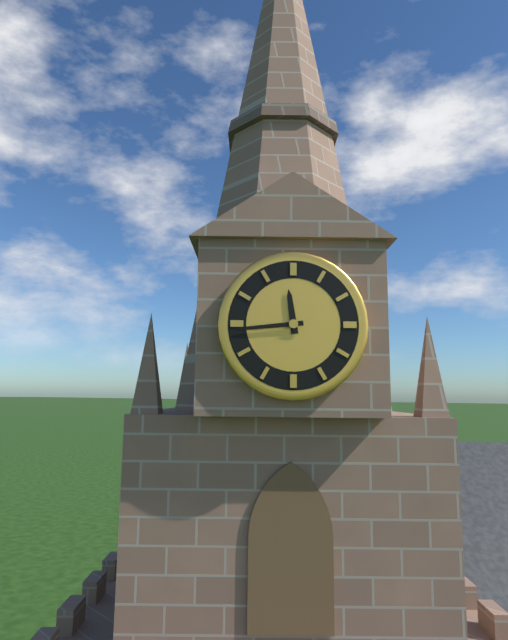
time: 11:44
